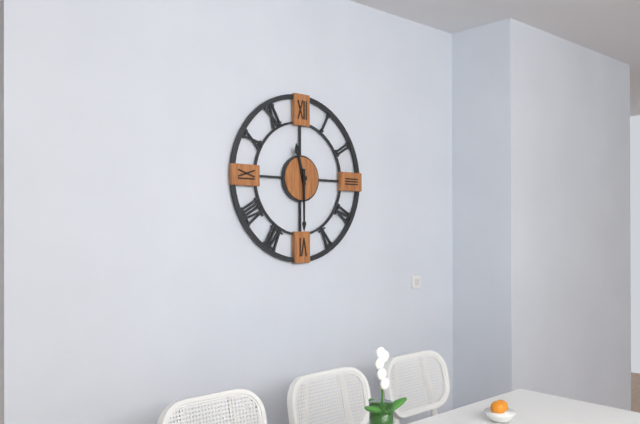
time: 11:30
